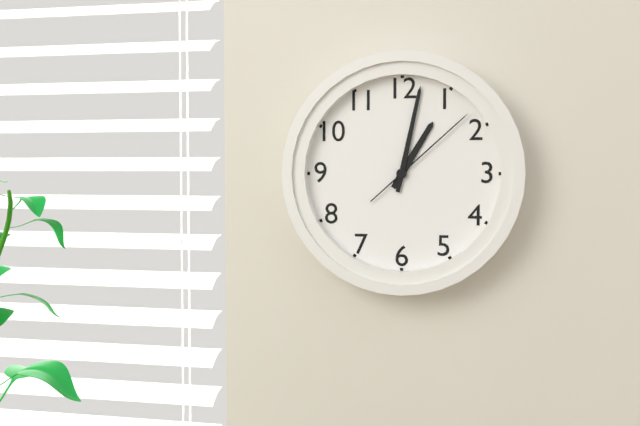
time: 1:02:08
